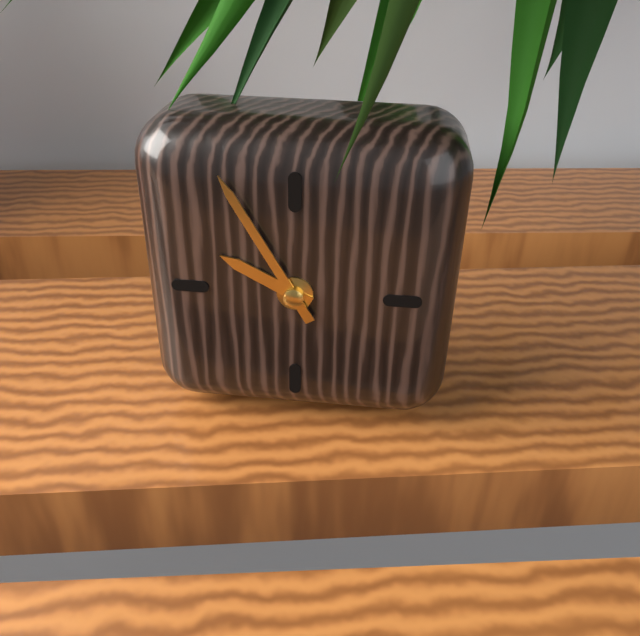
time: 9:55
